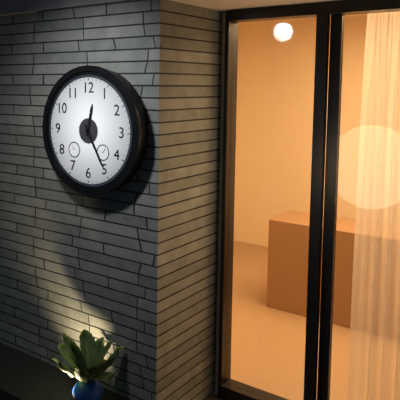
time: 12:25
